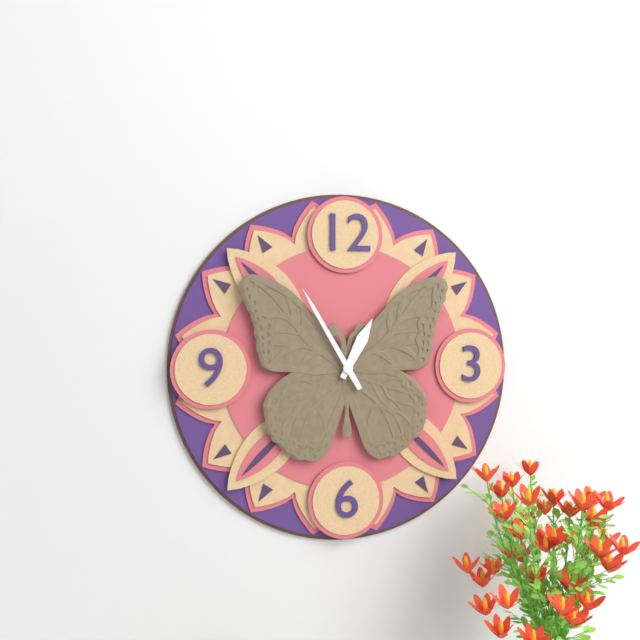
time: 12:55
